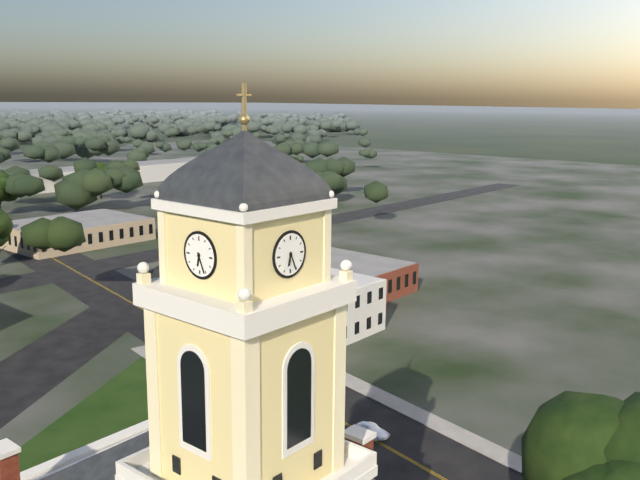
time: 6:26
